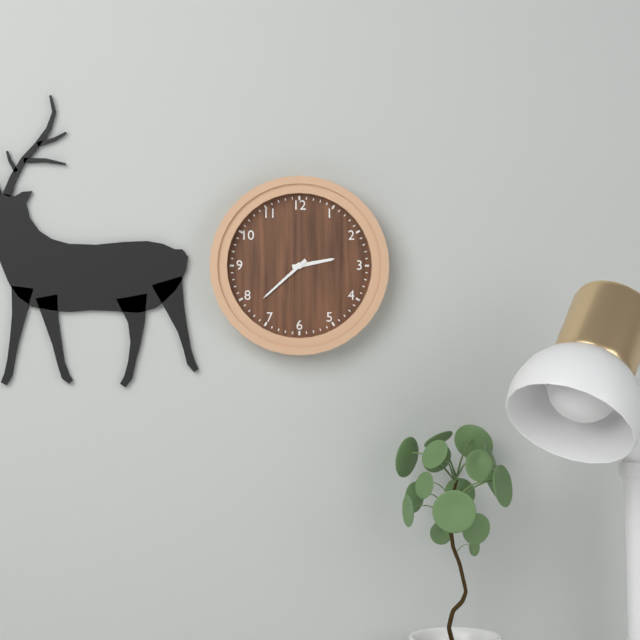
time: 2:38
